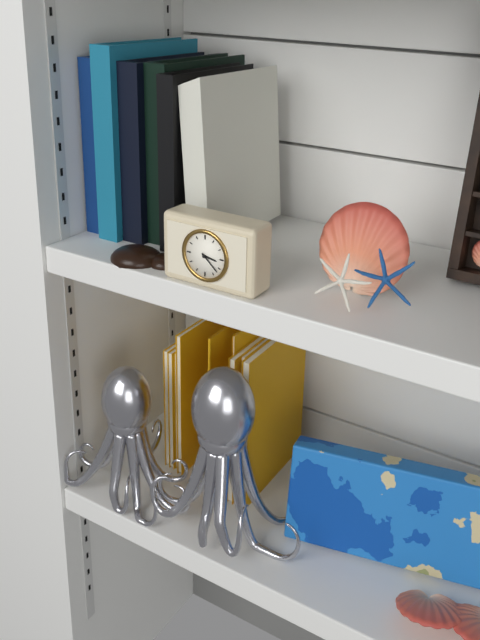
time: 3:22
